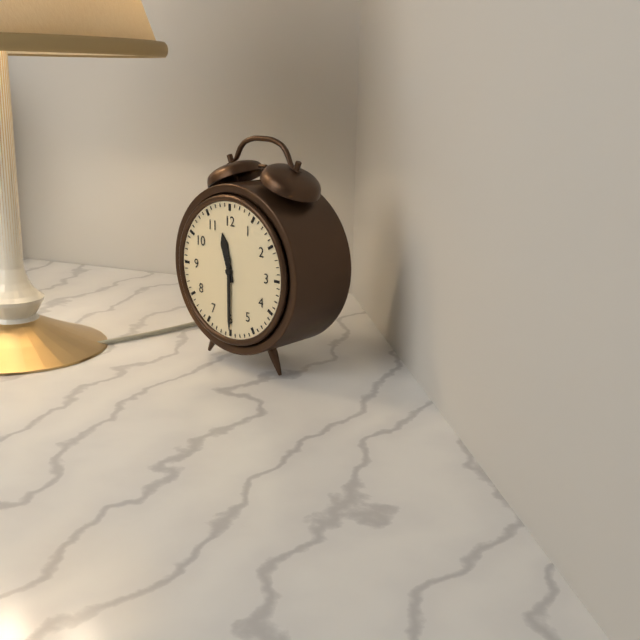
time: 11:30
